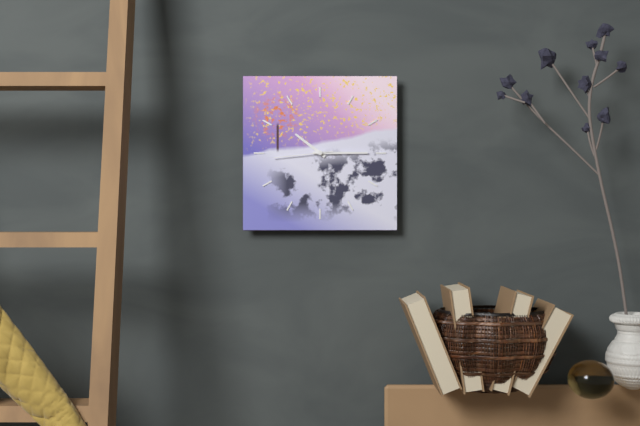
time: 10:15:44
